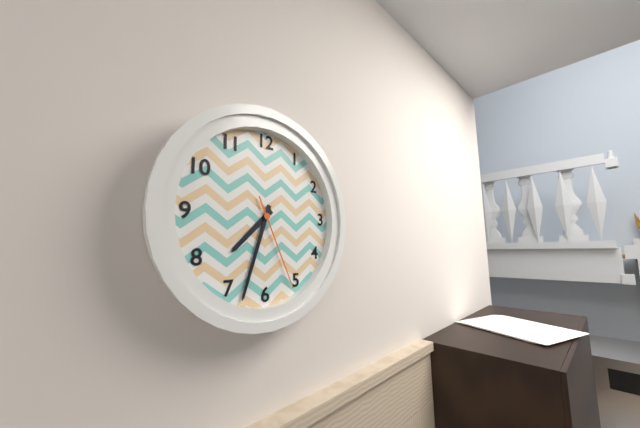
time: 7:33:26
